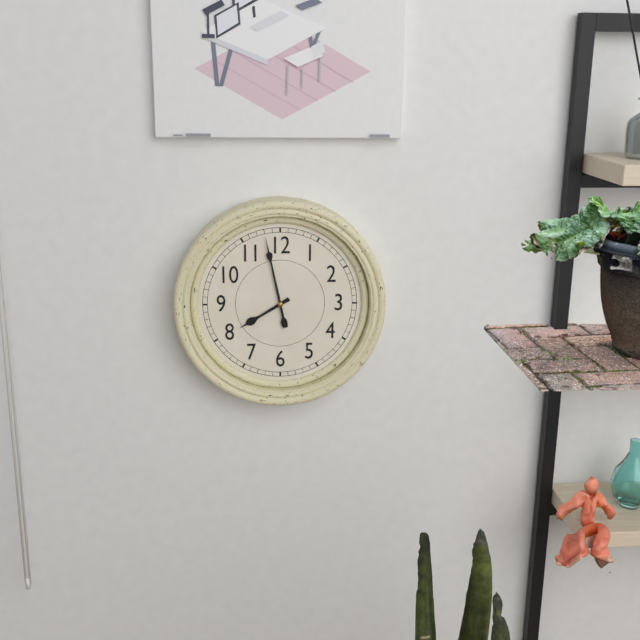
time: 7:58
